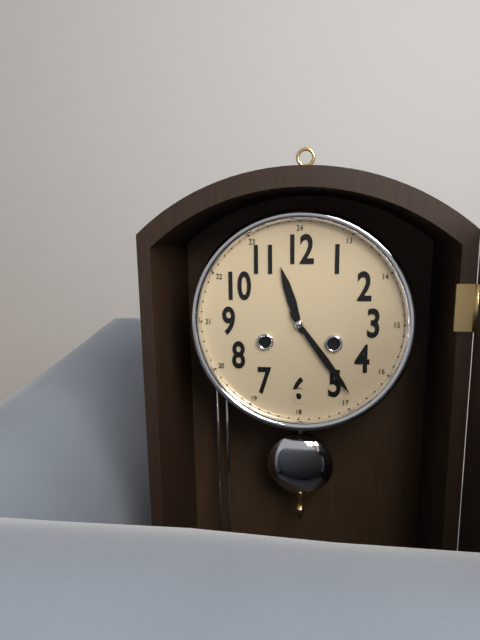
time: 11:24
